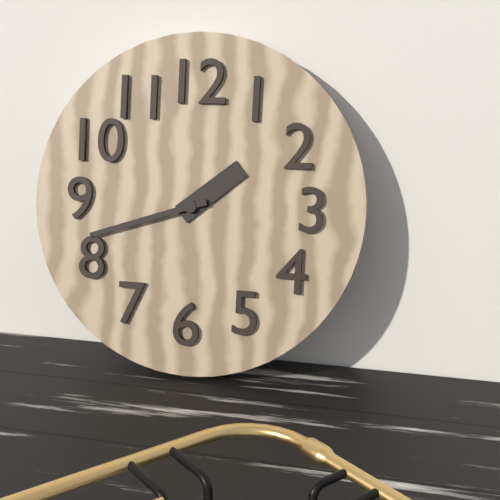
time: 1:42
